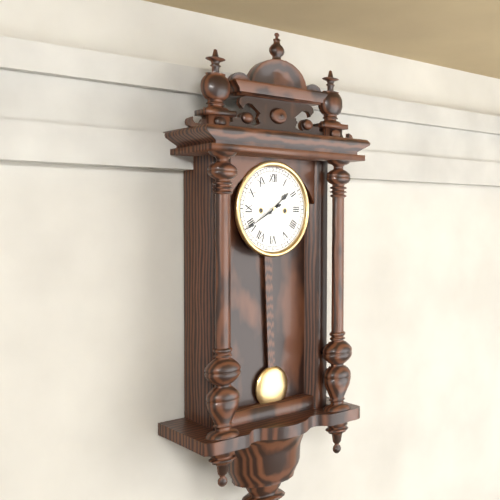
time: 1:40
